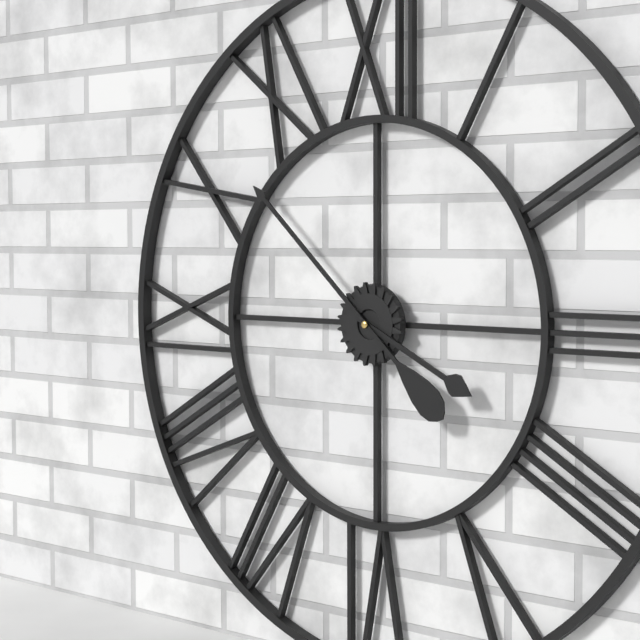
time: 3:52
